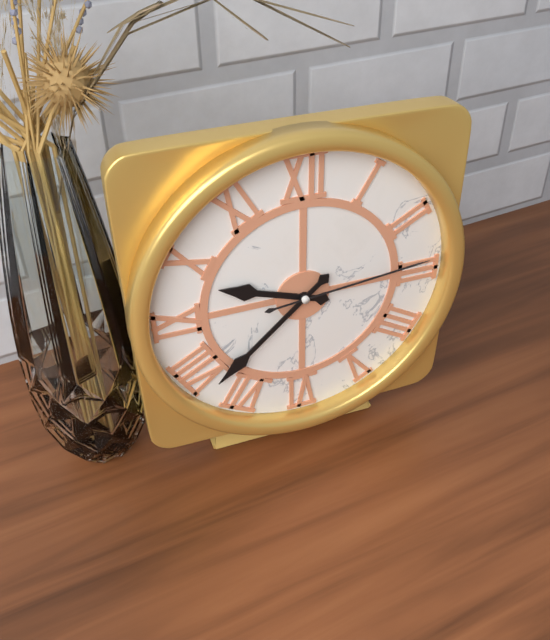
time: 9:38:14
